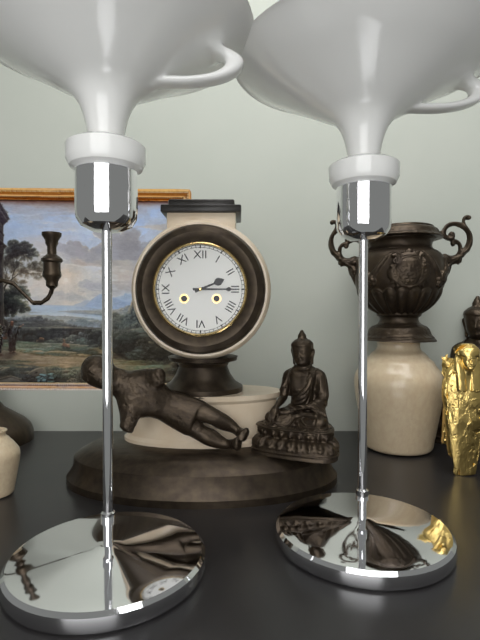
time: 2:15
